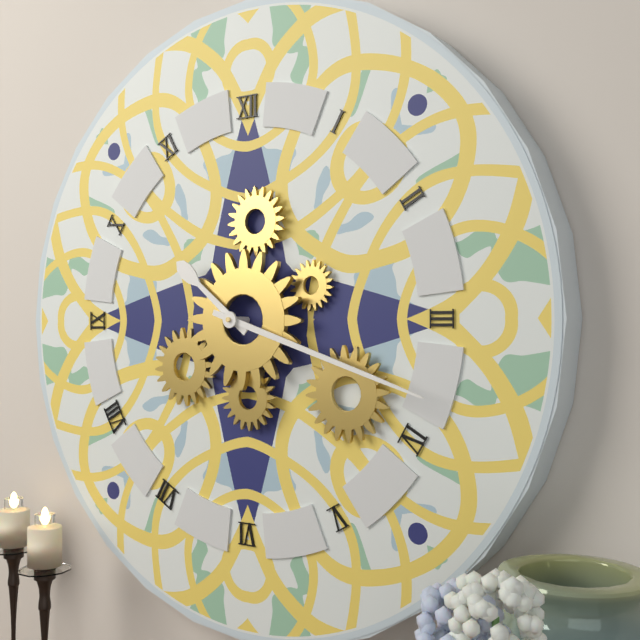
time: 10:18
